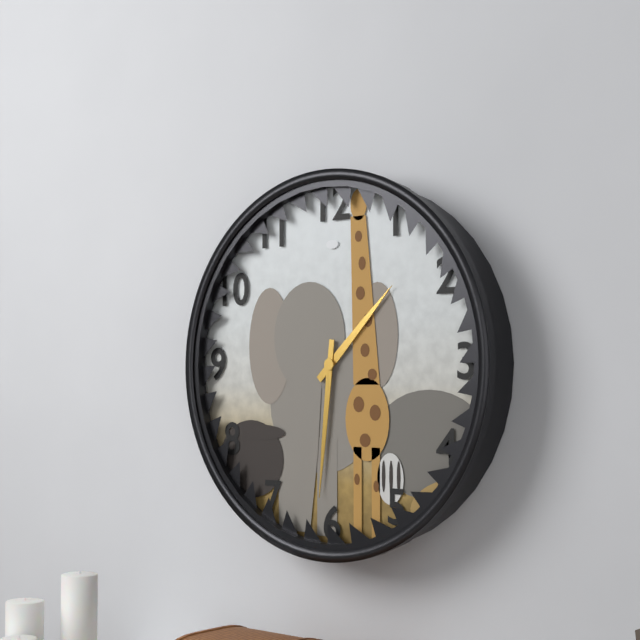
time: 1:31
